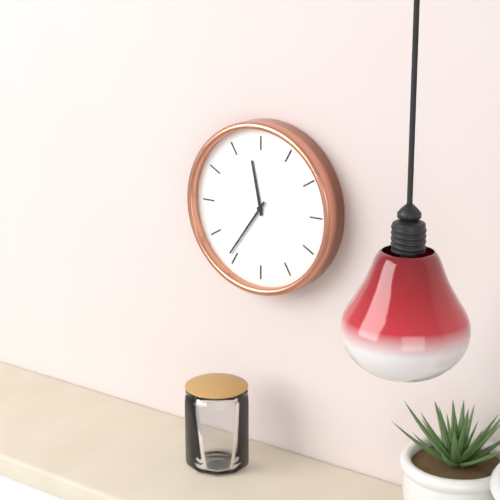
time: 11:36
